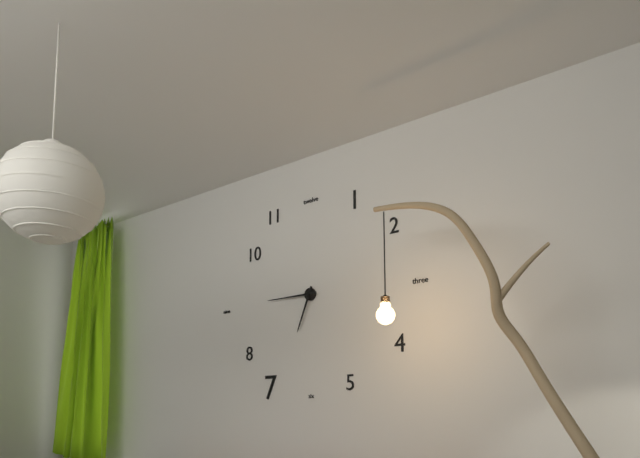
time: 6:45
